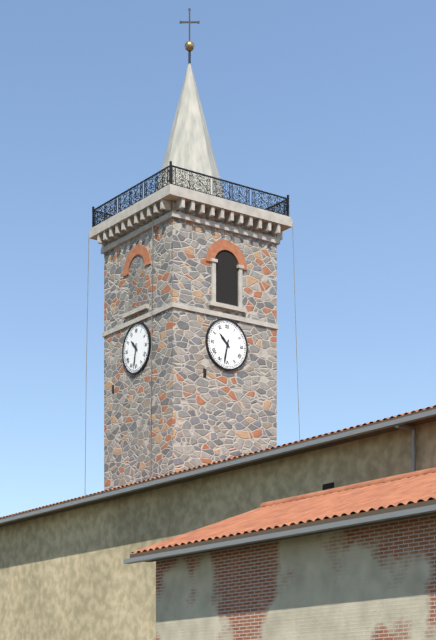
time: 10:32
